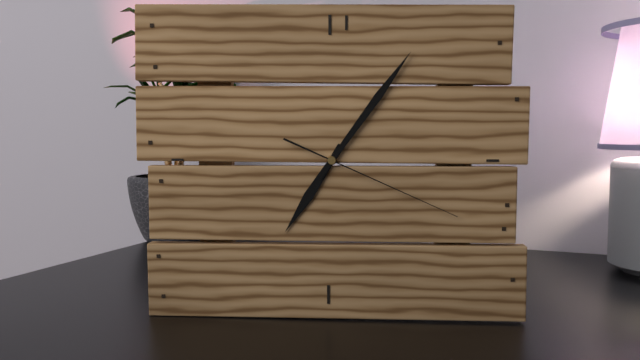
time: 7:06:19
